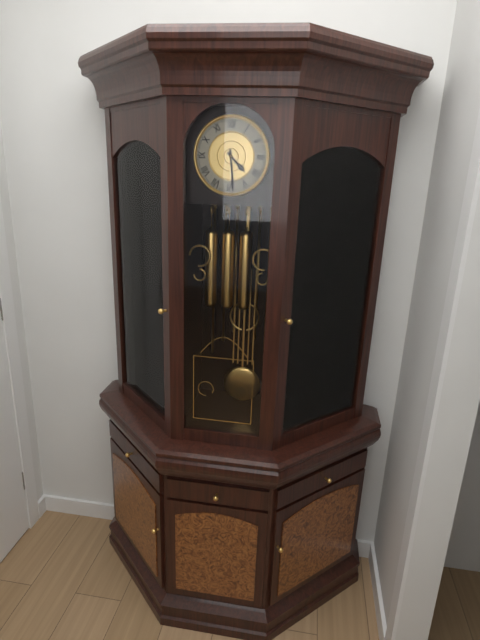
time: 4:29
